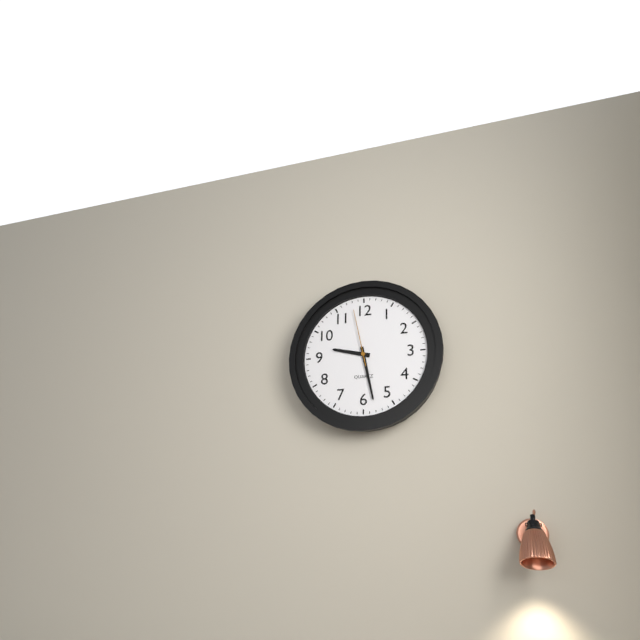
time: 9:28:58
